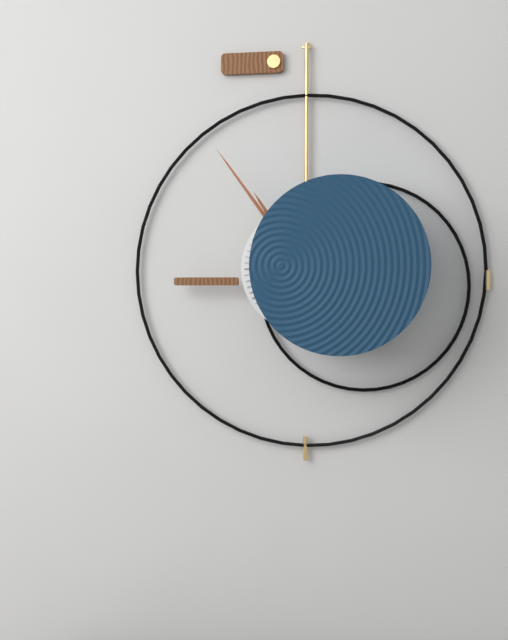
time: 10:54
